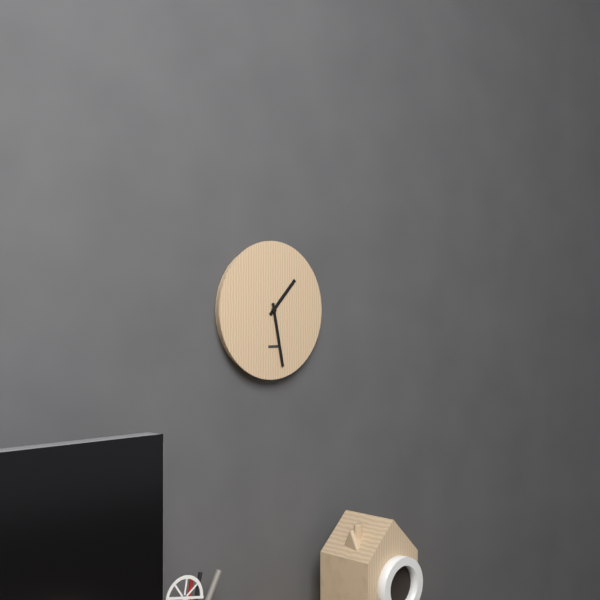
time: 1:28
